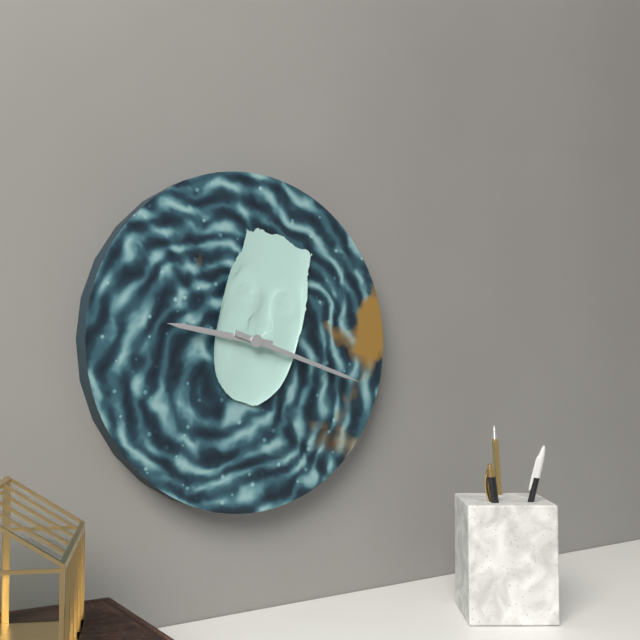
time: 9:18
